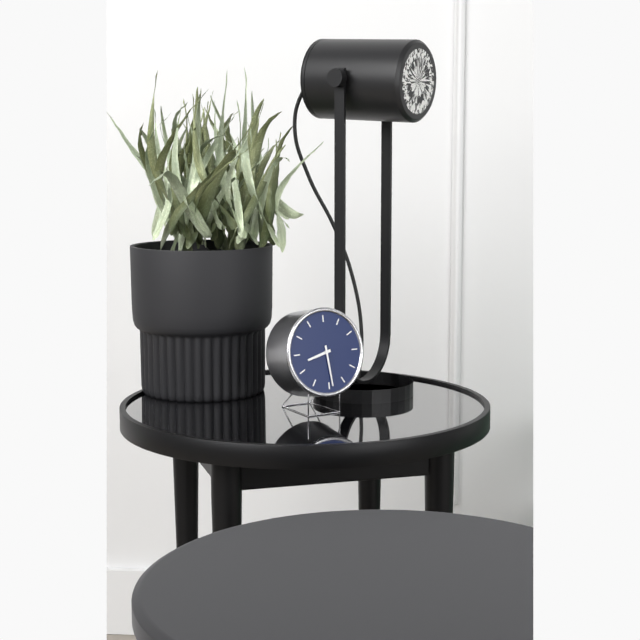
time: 8:29
